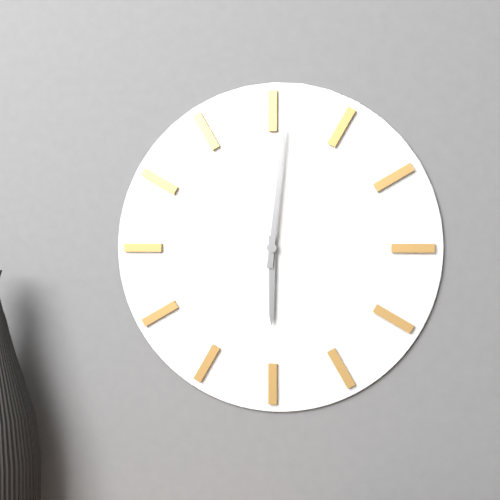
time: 6:01
